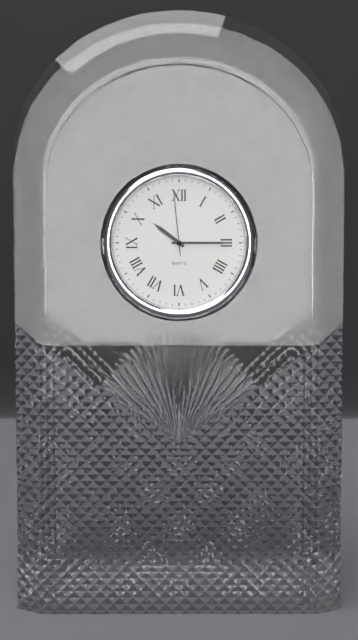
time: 10:15:59
